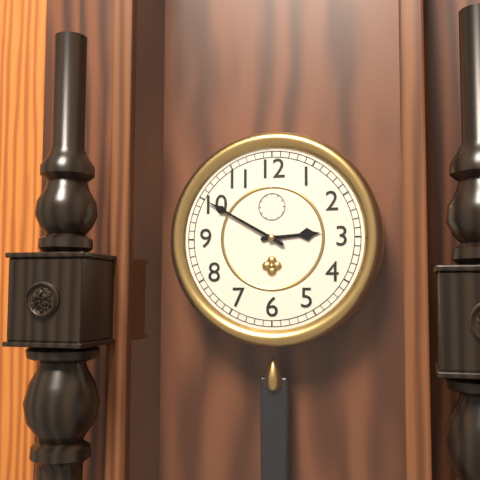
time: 2:50
